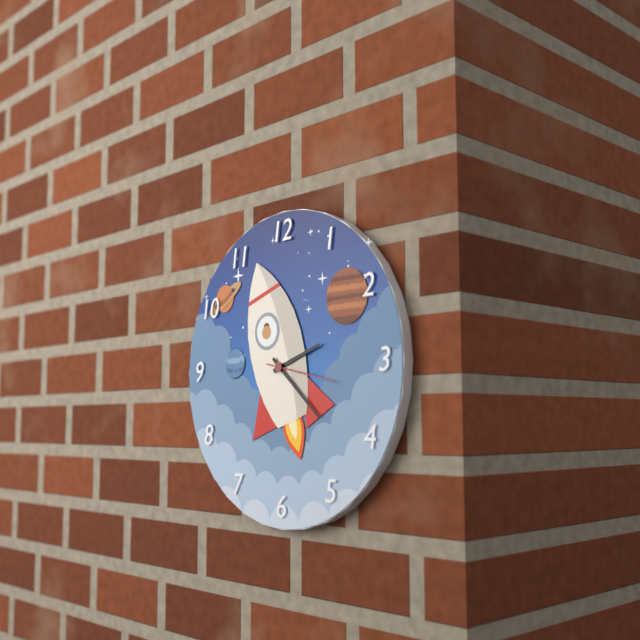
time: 2:22:17
